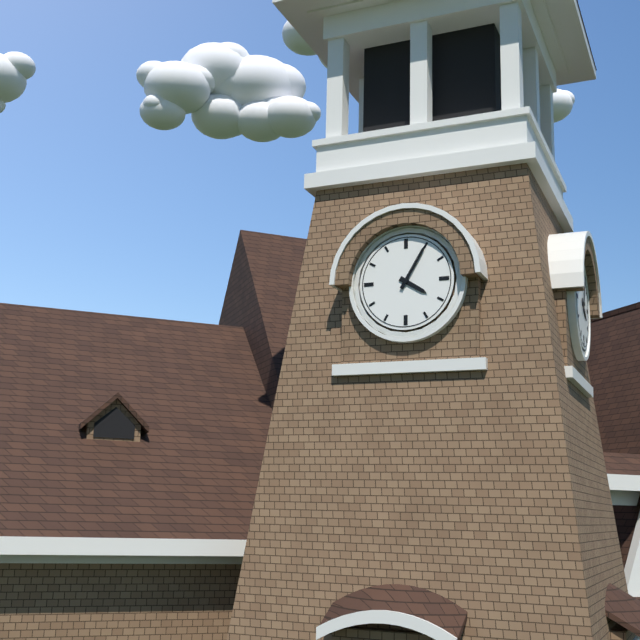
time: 4:05
